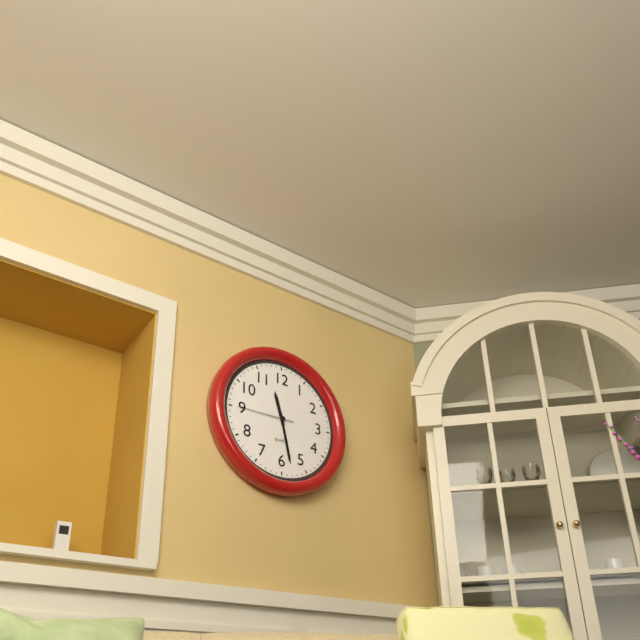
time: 11:28:45
